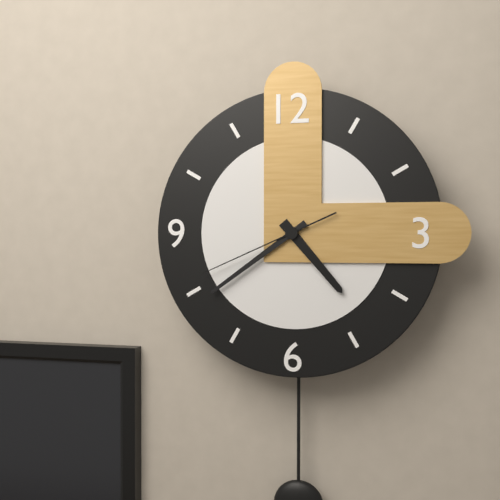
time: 4:39:41
